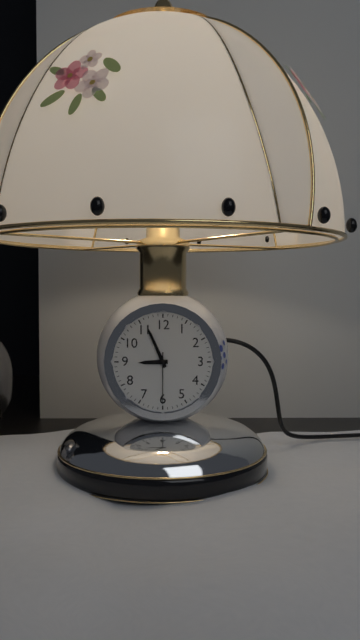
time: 8:56:30
